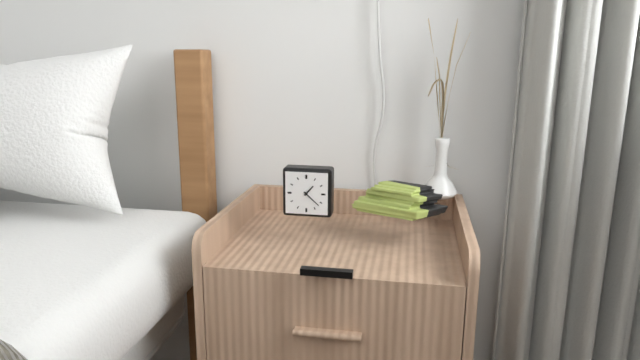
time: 1:22
